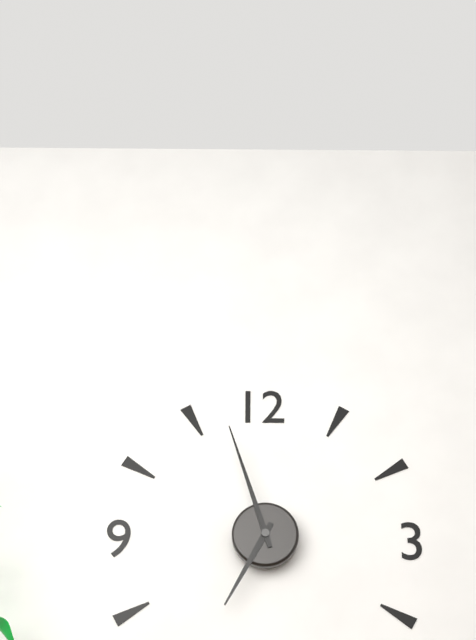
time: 6:57
